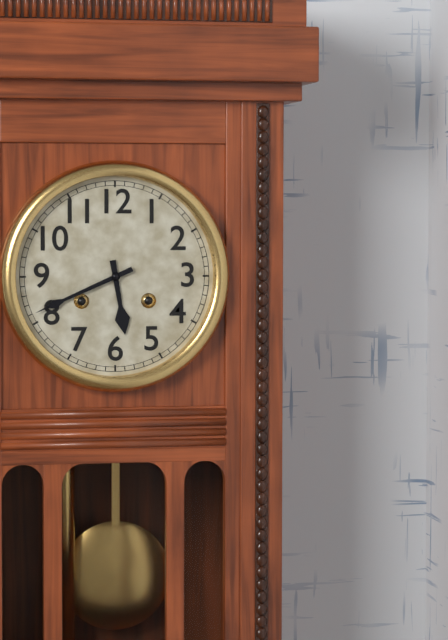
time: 5:41
